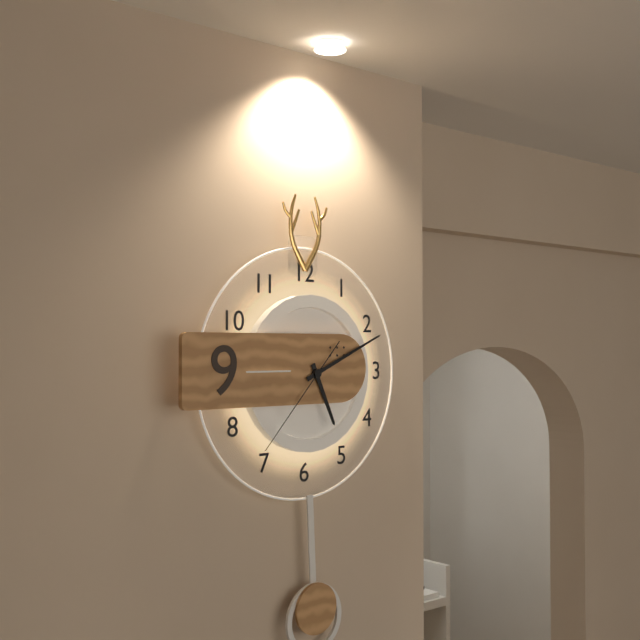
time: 5:11:37
